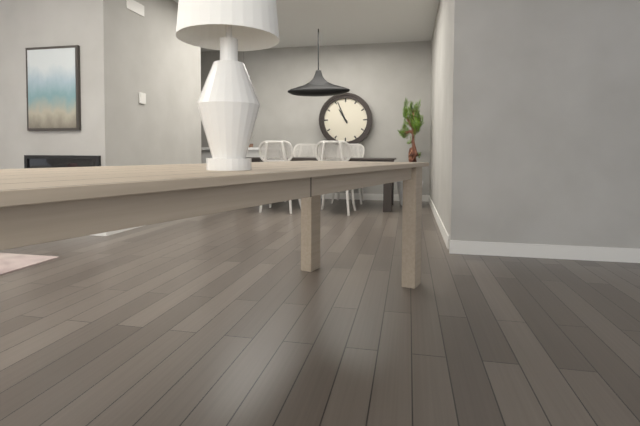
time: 10:56
